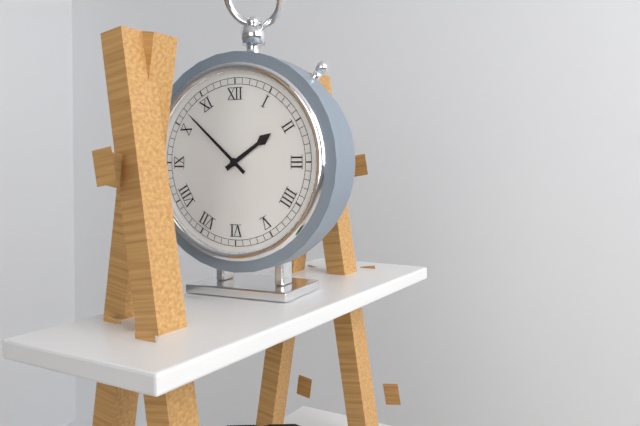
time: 1:52
